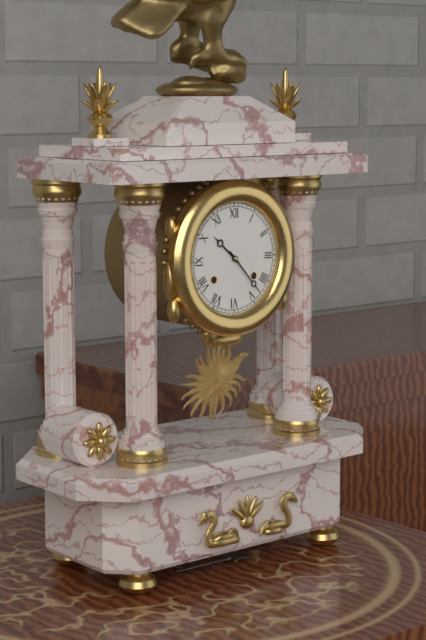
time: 10:23
